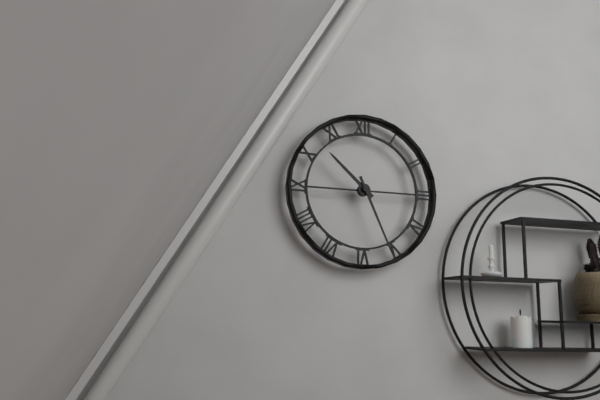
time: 10:26
